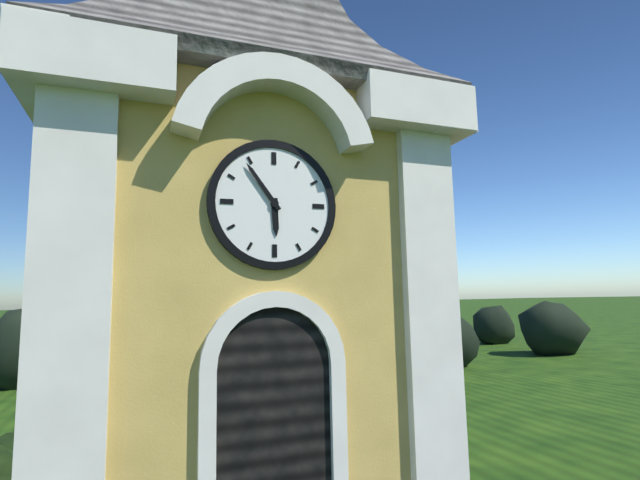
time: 5:54
